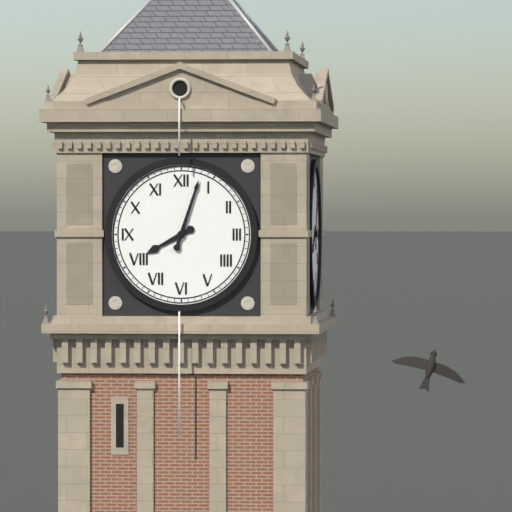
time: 8:03
